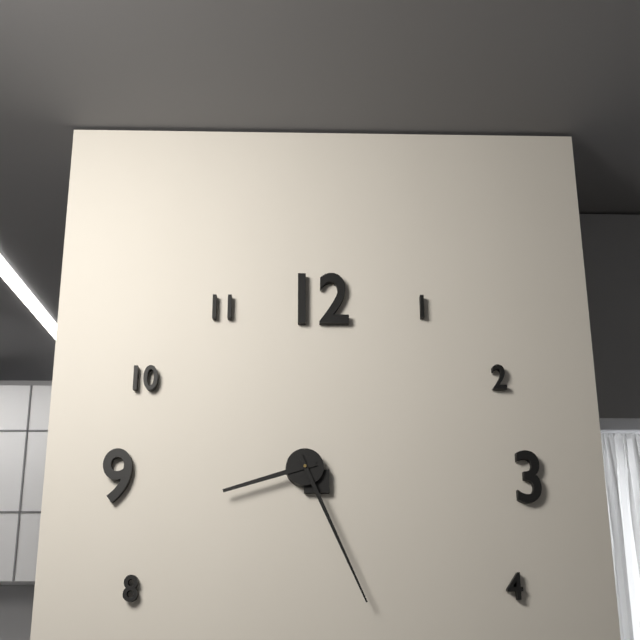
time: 8:26
